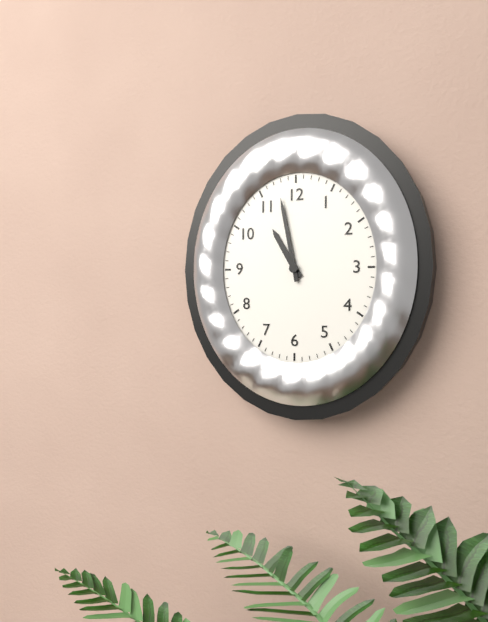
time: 10:58
